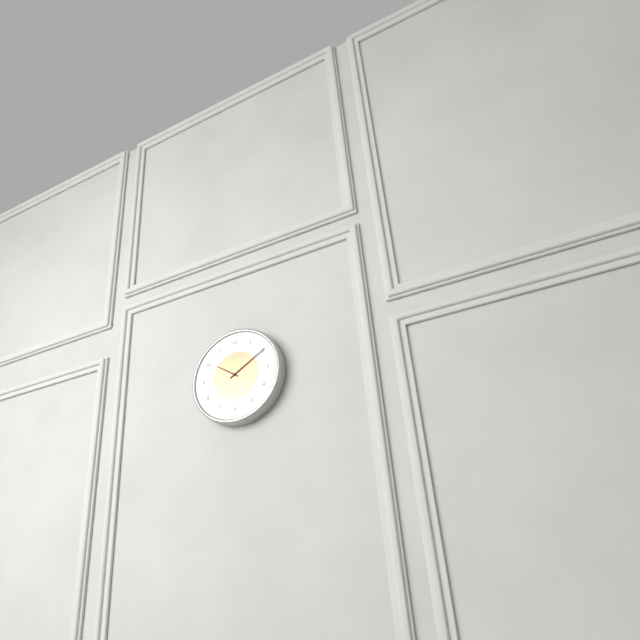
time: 10:10
